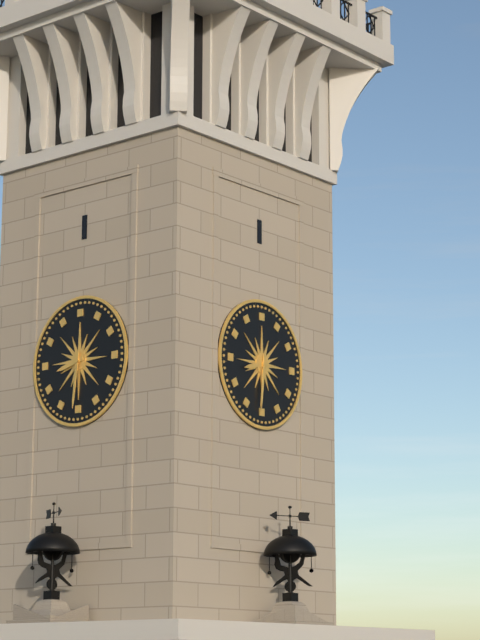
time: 8:31
